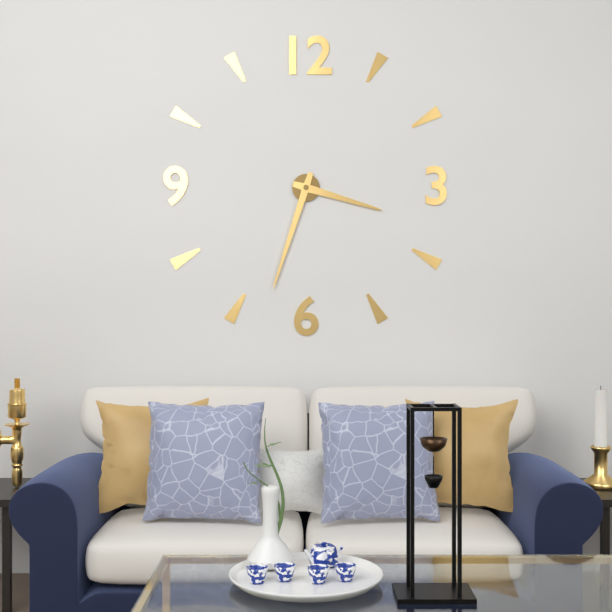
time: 3:33
